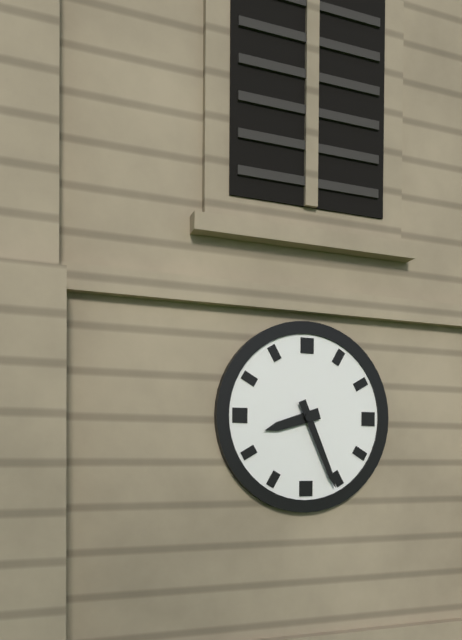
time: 8:26
